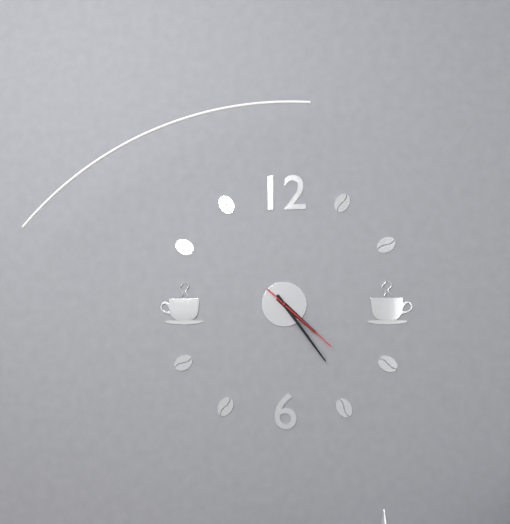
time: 4:24:22
